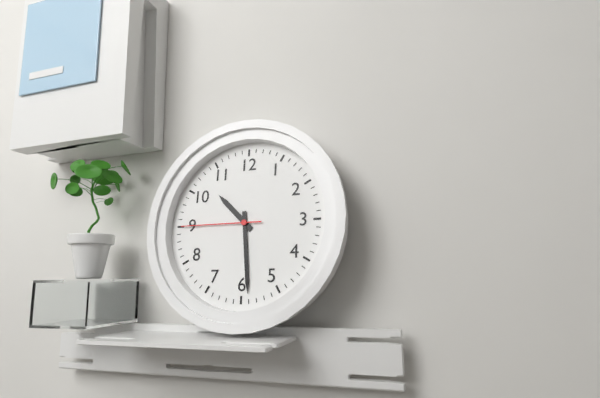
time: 10:29:45
